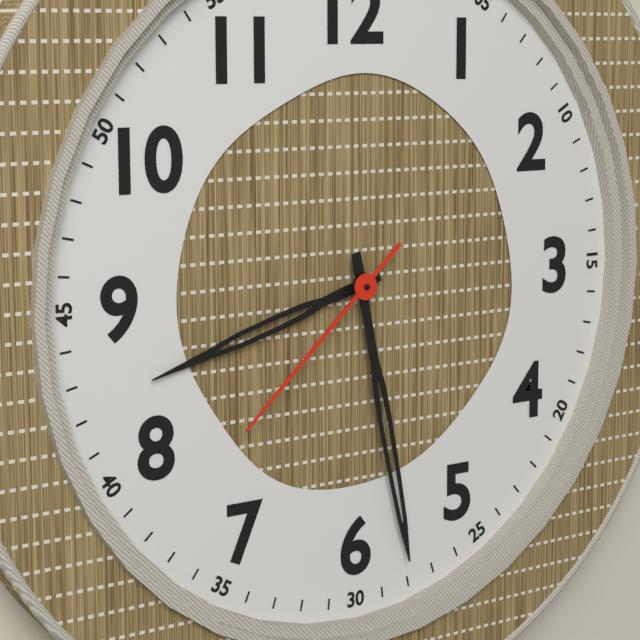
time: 8:28:38
